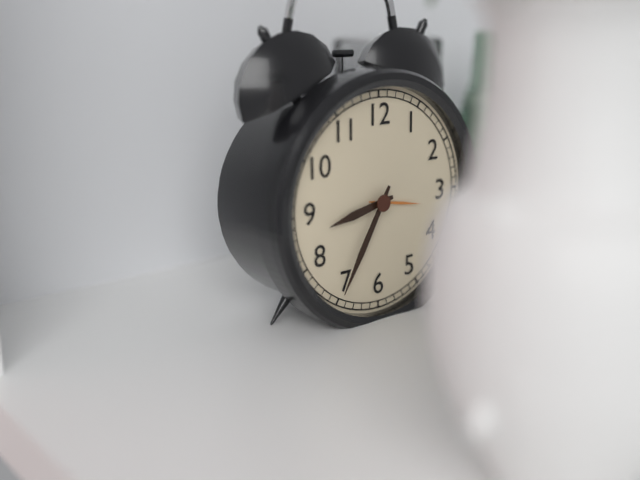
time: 8:35
